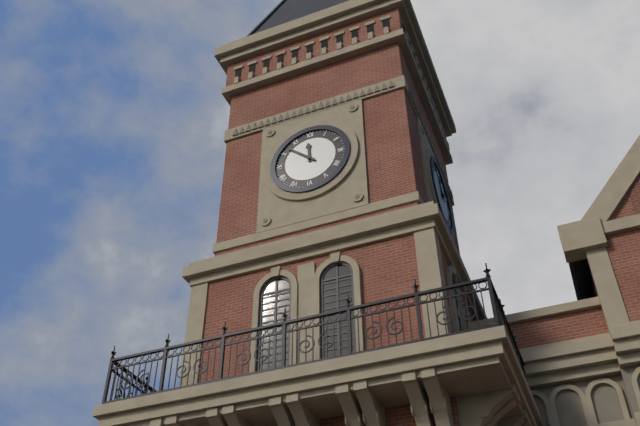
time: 11:52
